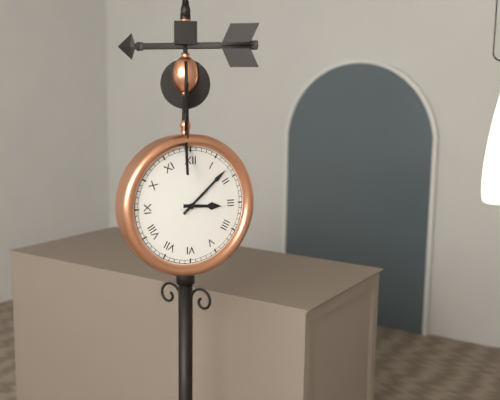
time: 3:08
